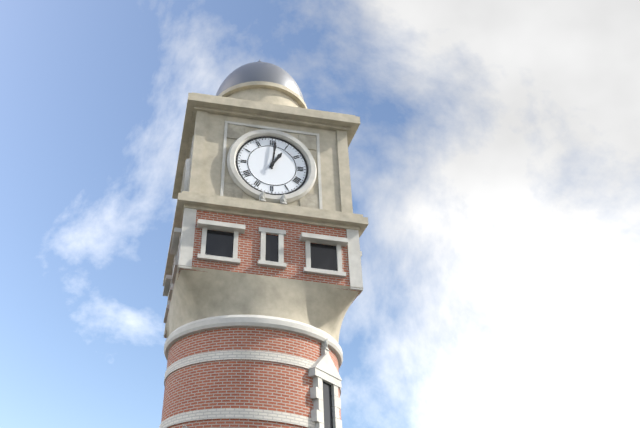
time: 1:01
